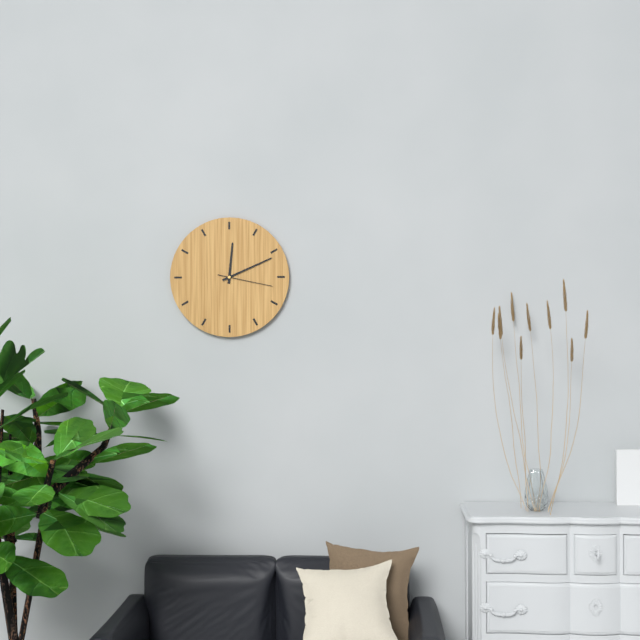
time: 12:11:17
